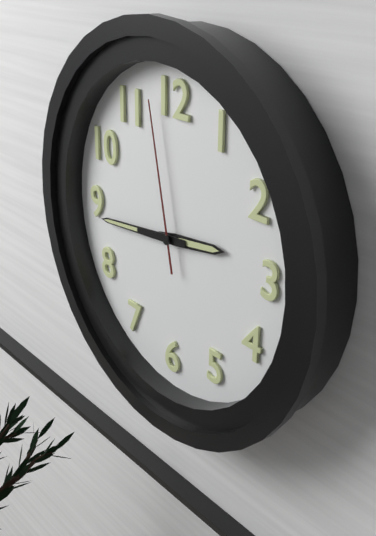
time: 2:44:58
